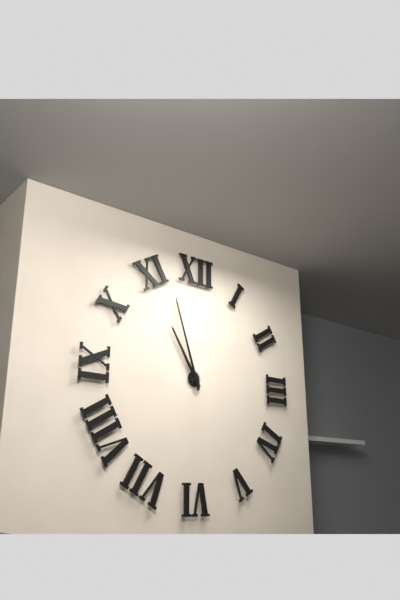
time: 10:57
